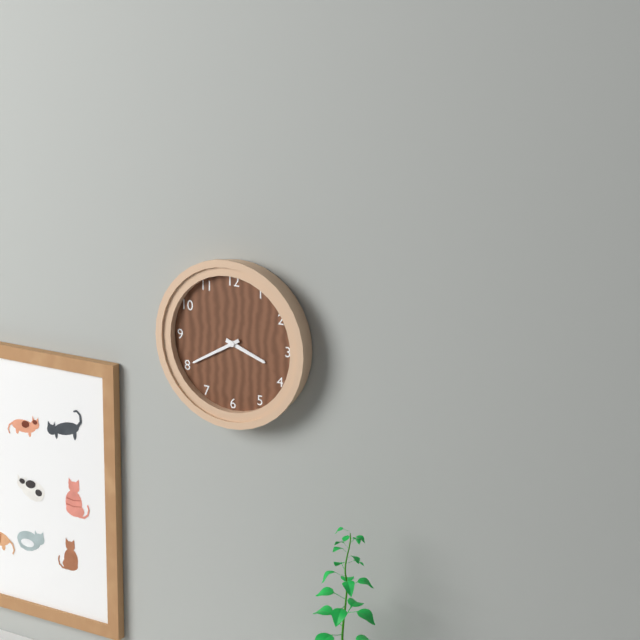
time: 3:40
